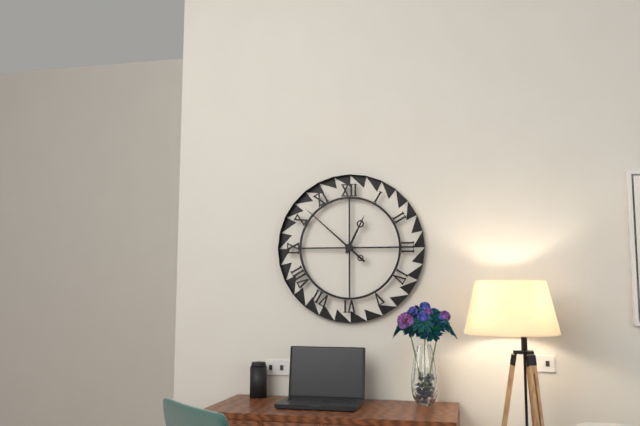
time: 12:52
